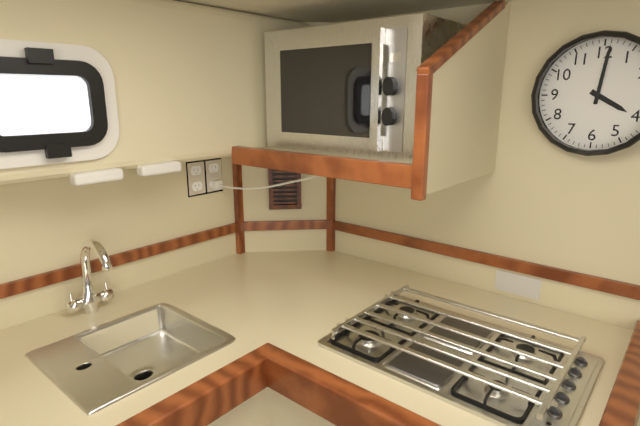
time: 4:01
